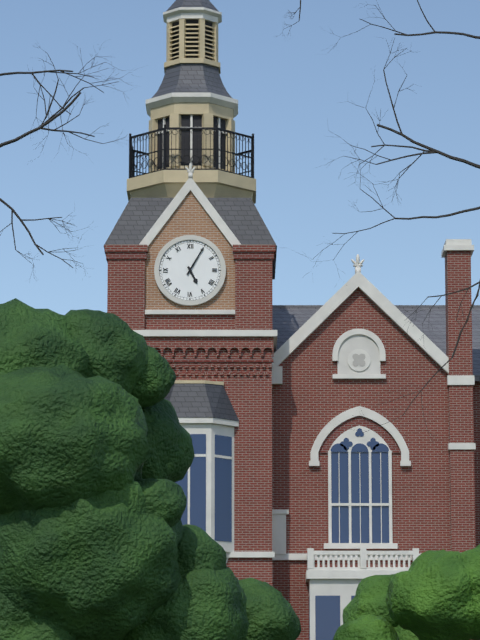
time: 5:05
